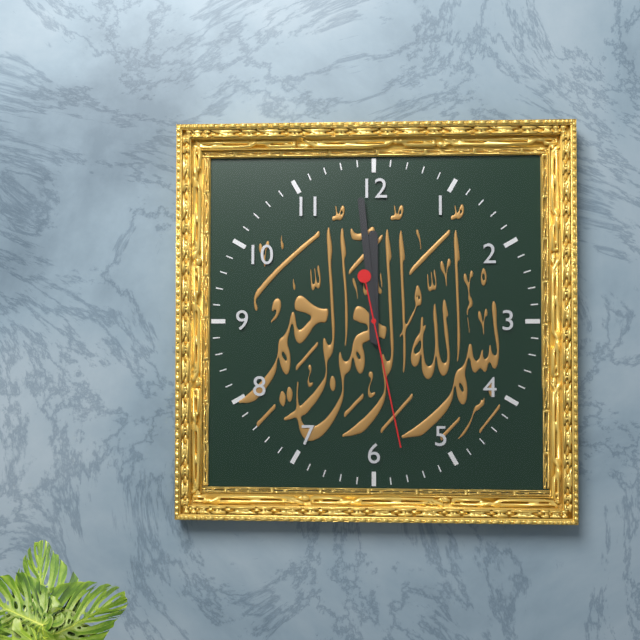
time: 11:59:28
